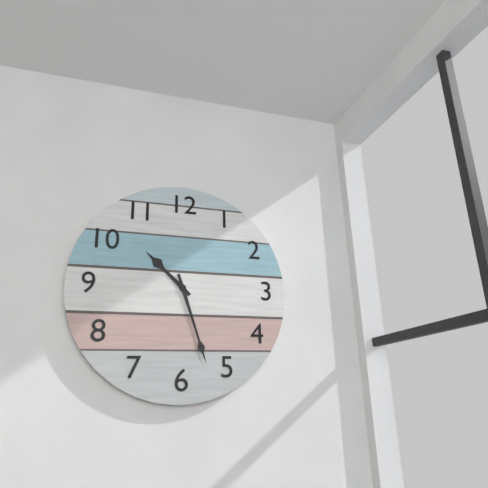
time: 10:27
